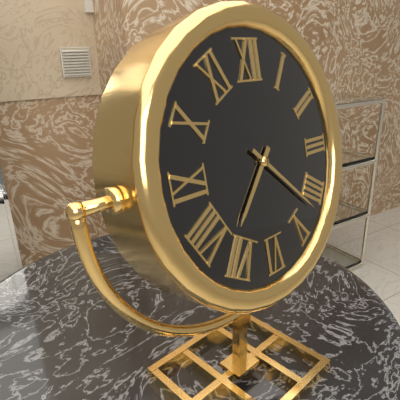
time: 7:22
